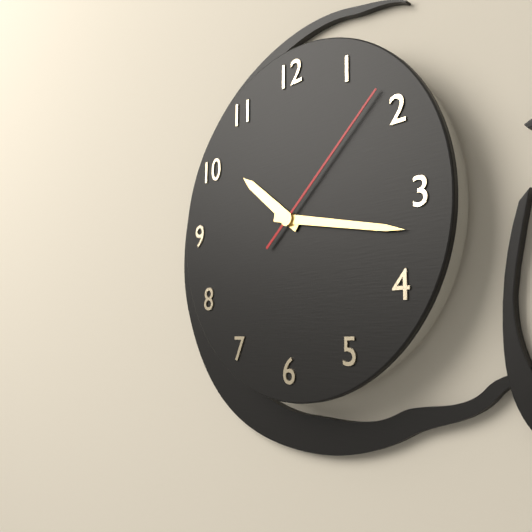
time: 10:17:08
